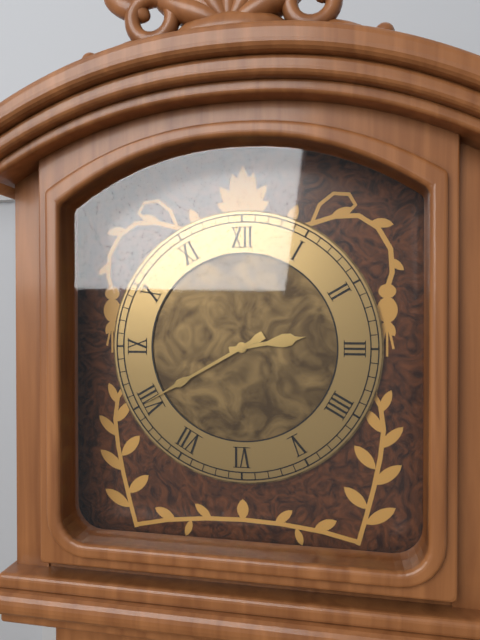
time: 2:40
